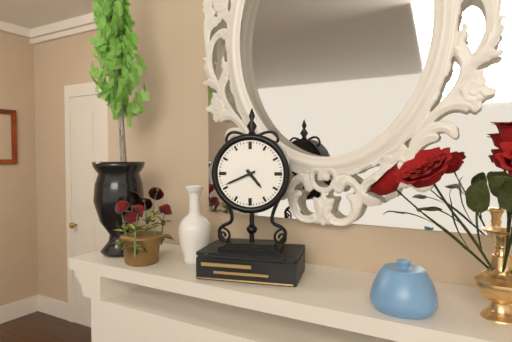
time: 4:41
